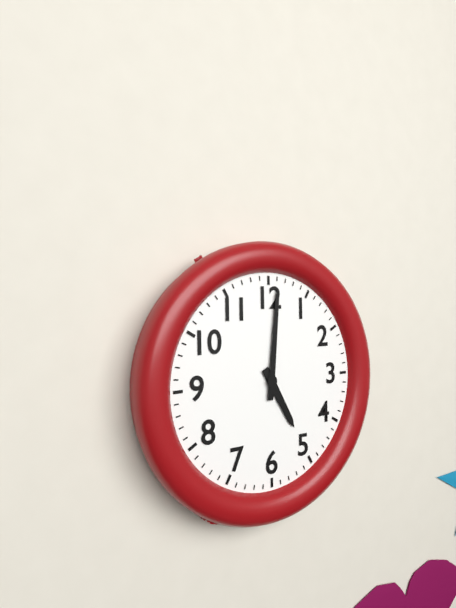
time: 5:01
